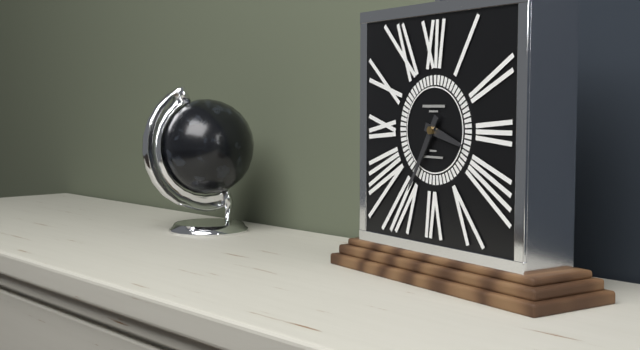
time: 3:35
